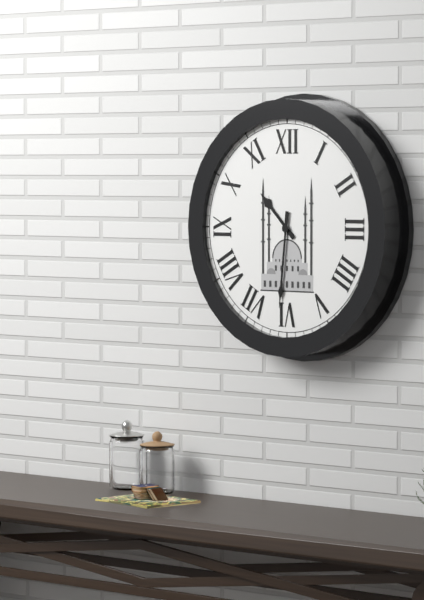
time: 10:31
